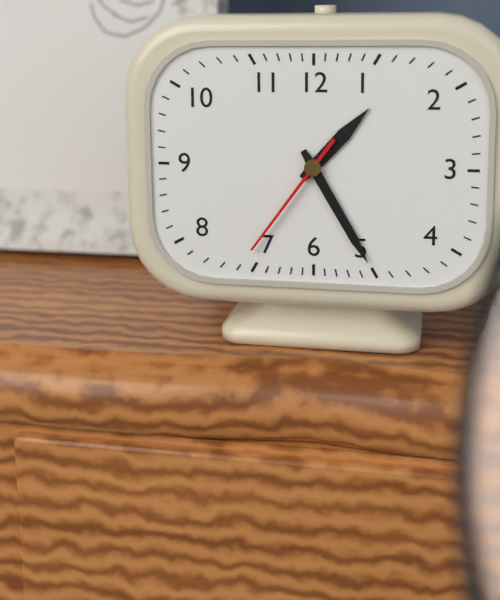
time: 1:25:36
